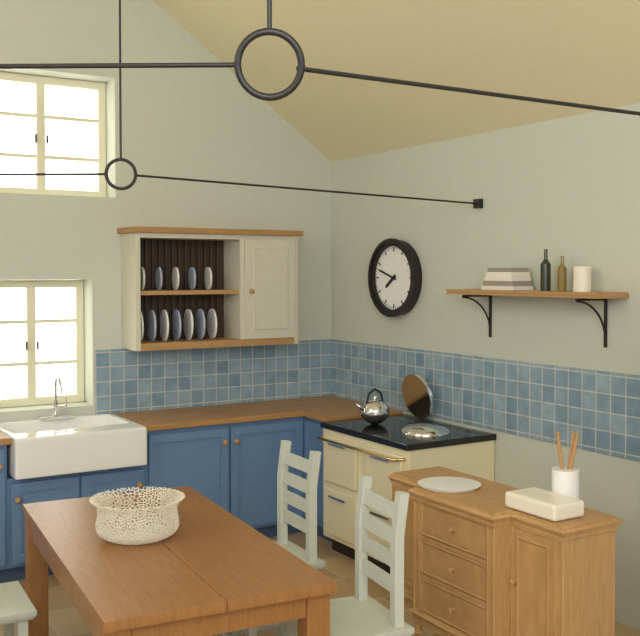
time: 7:48
